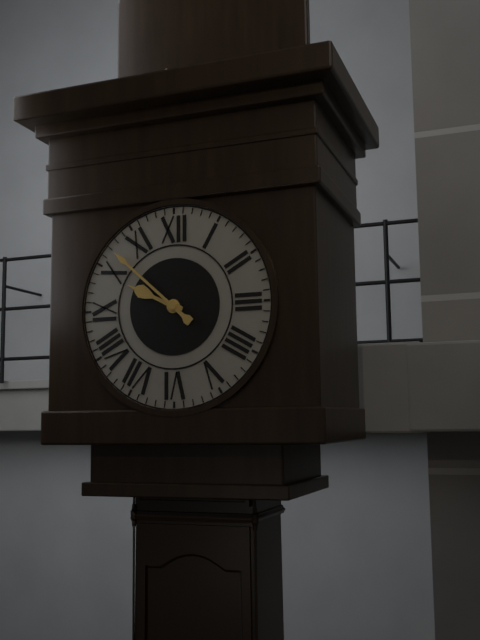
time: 9:52
